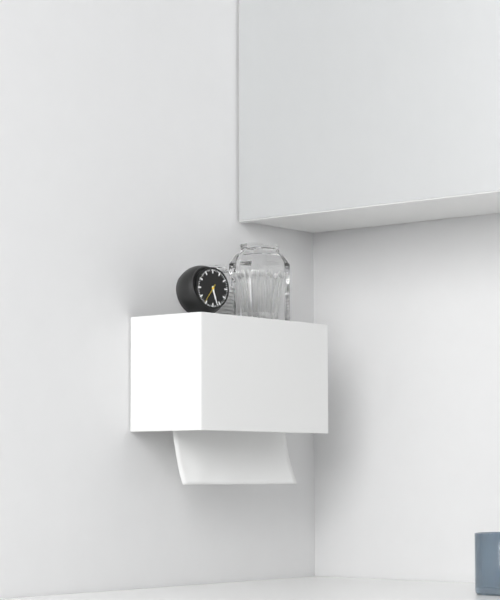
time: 5:27
